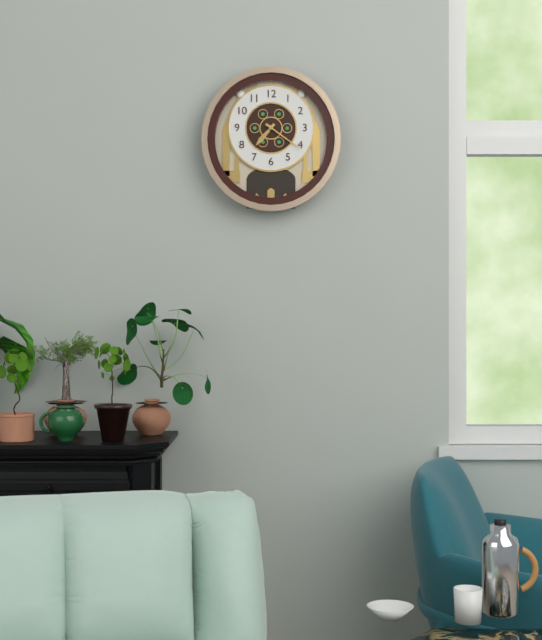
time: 7:21
